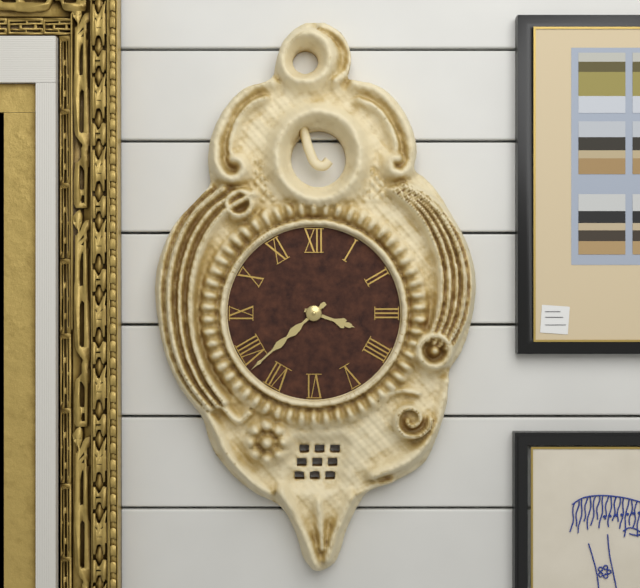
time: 3:38
